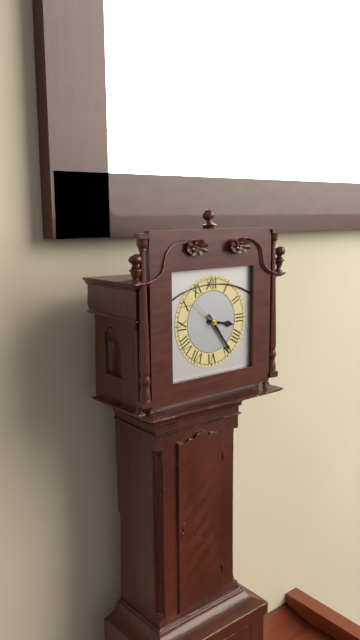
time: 3:24
